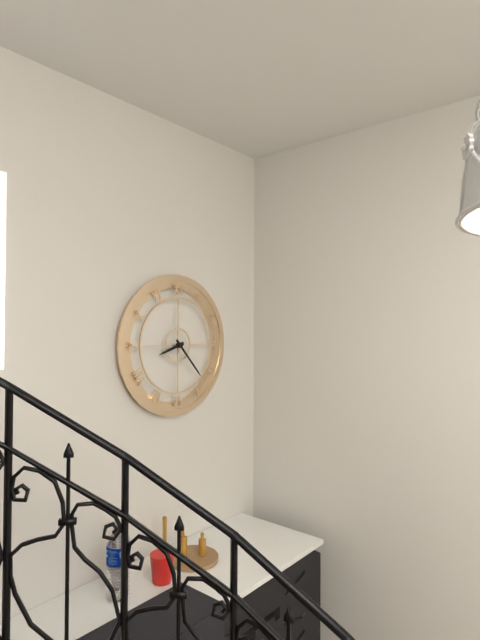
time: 8:23
